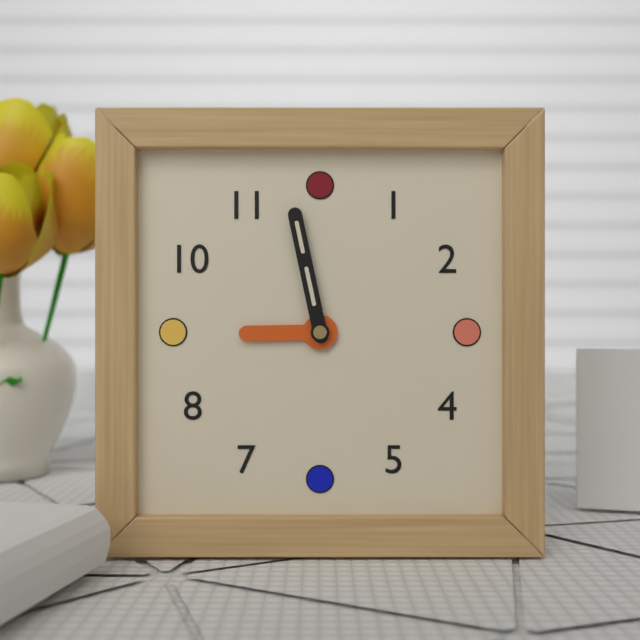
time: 8:58
